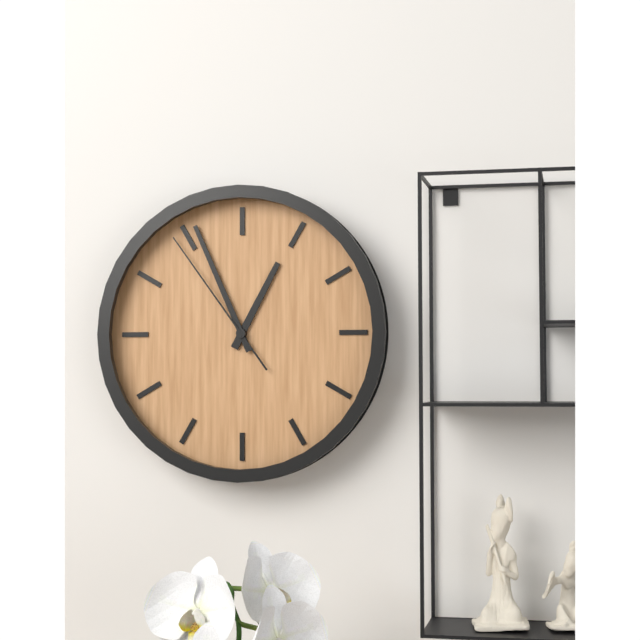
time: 12:56:54
